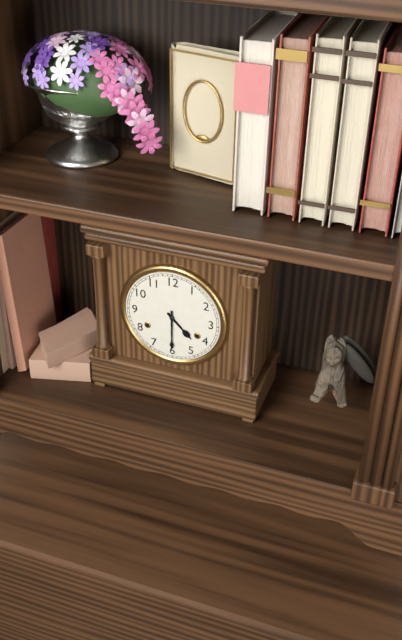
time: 4:30
